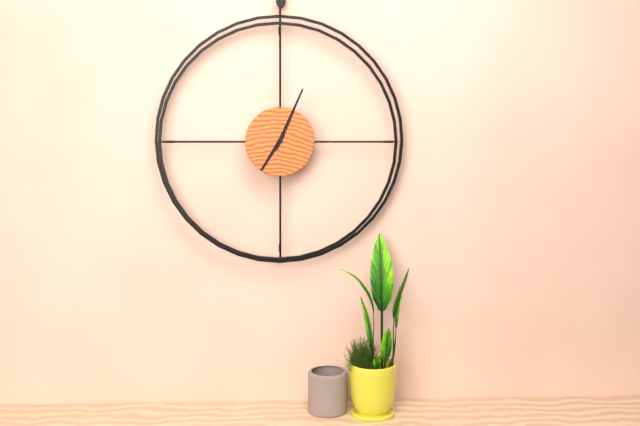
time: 7:04
